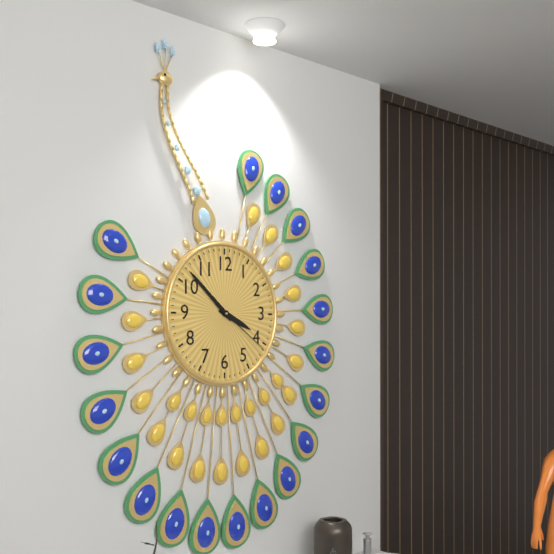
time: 3:52:21
